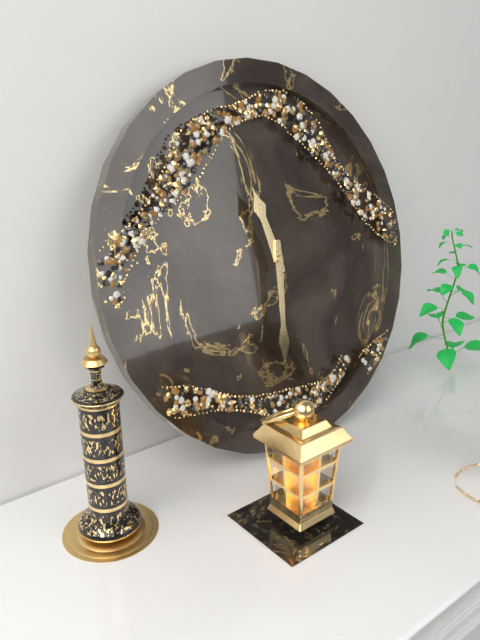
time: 11:31
